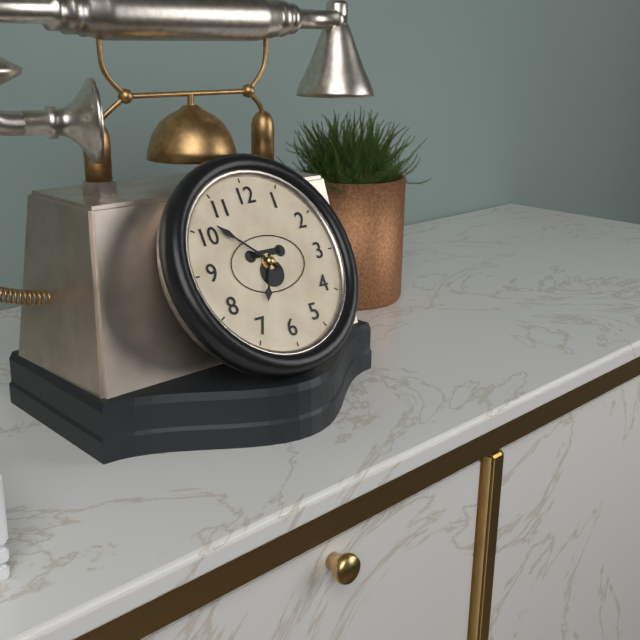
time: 6:52
